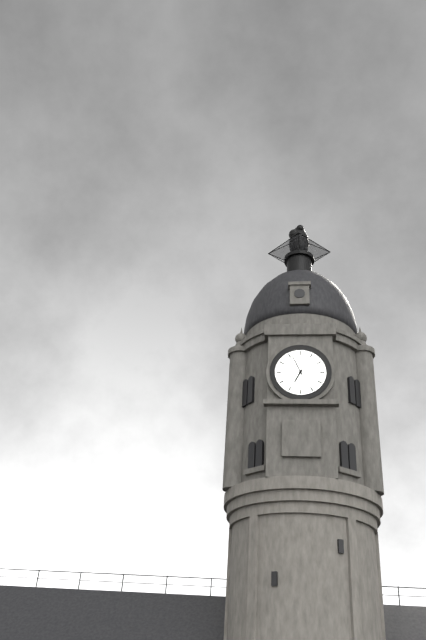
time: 6:56
